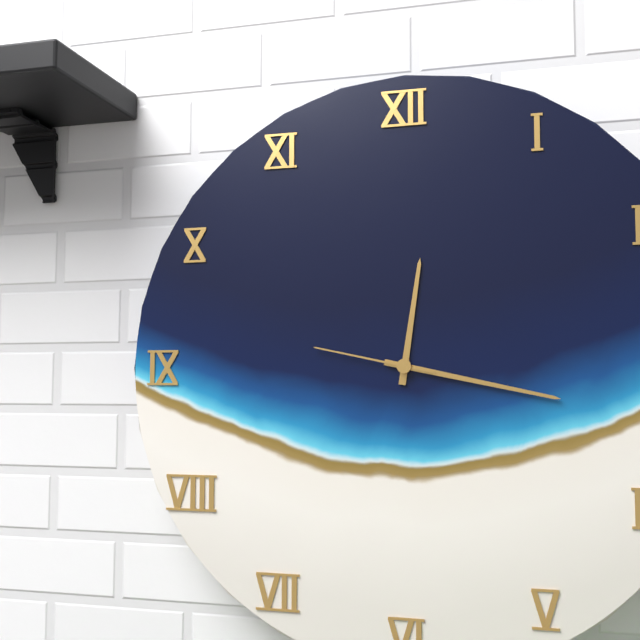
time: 12:17:47
